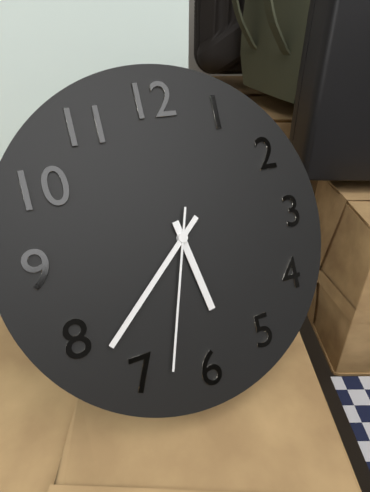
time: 5:38:33
